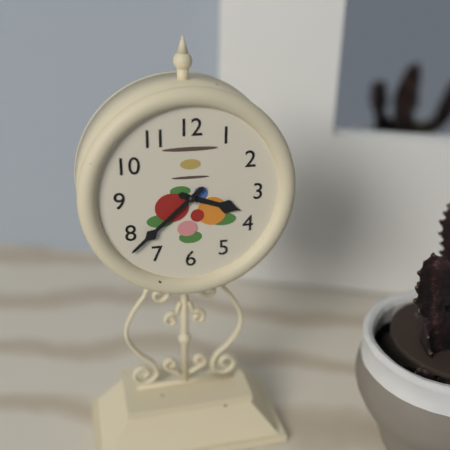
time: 3:38
